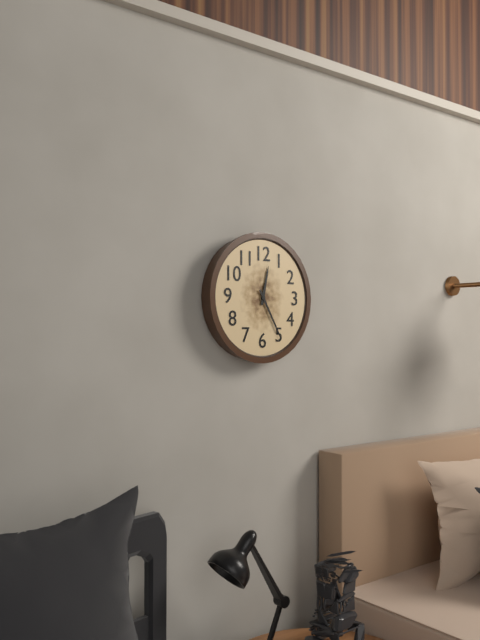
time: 12:25
